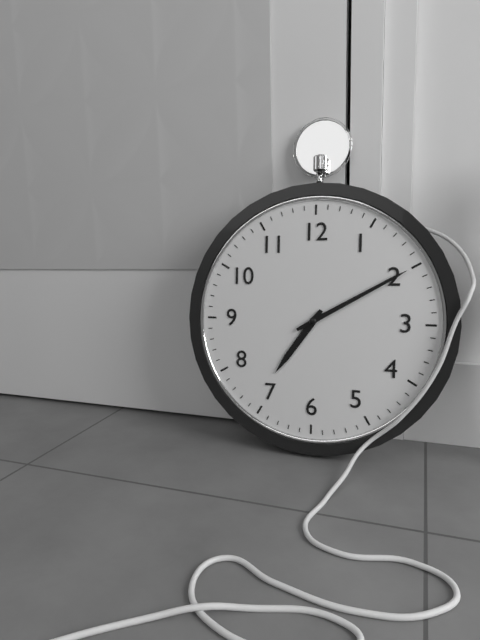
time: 7:10
